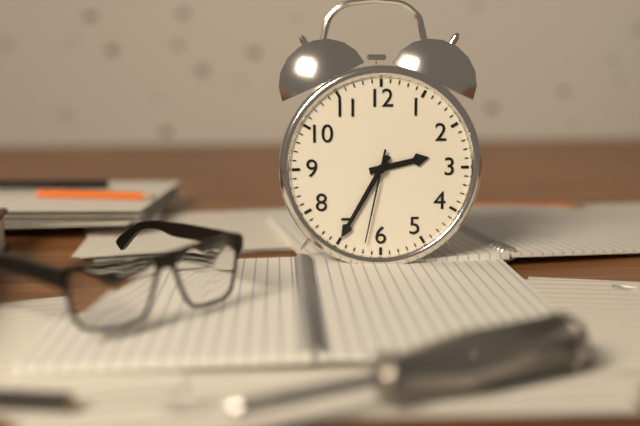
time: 2:35:32
